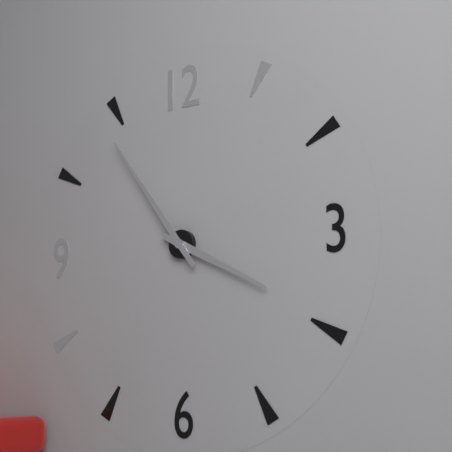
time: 3:54
